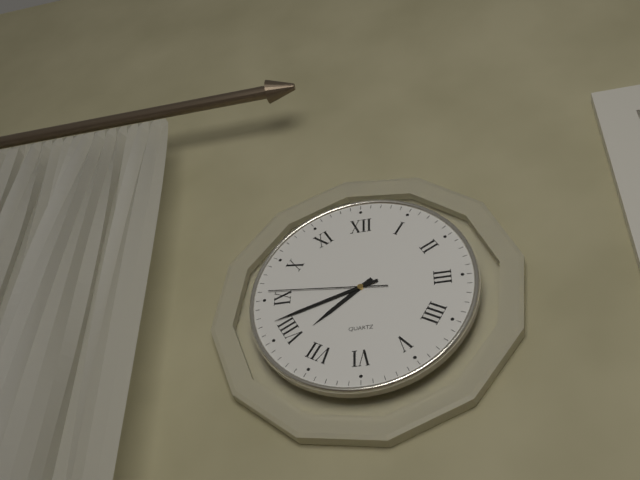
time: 7:42:46
